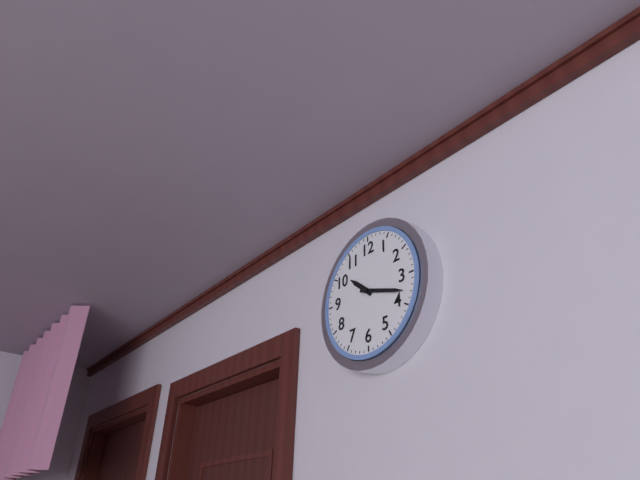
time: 10:18
